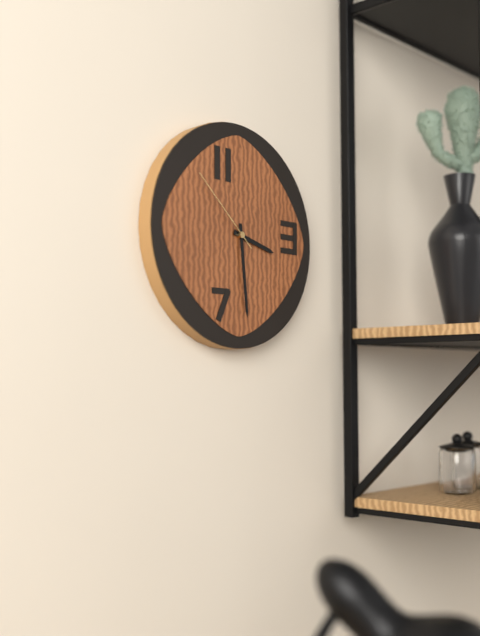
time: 3:29:52
